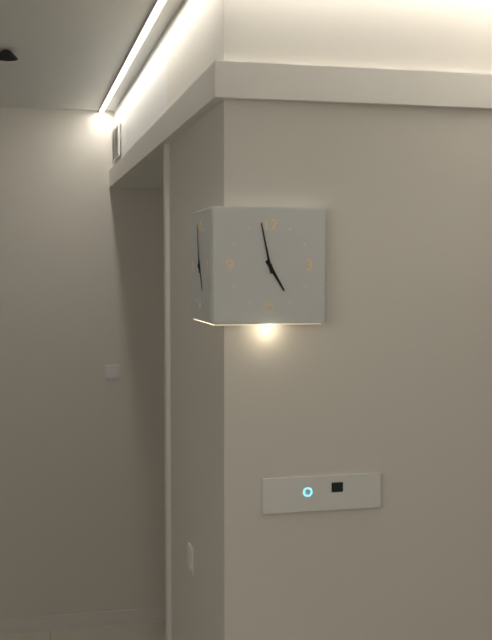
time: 4:58
